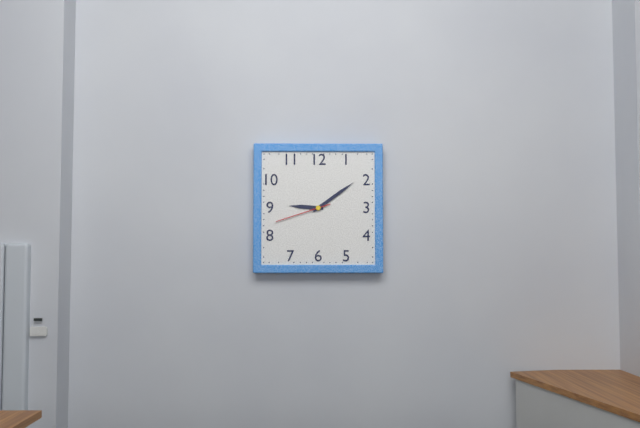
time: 9:09:42
